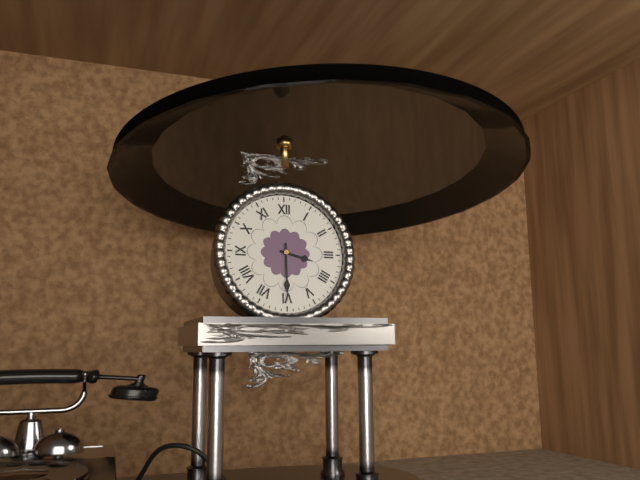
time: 3:30
